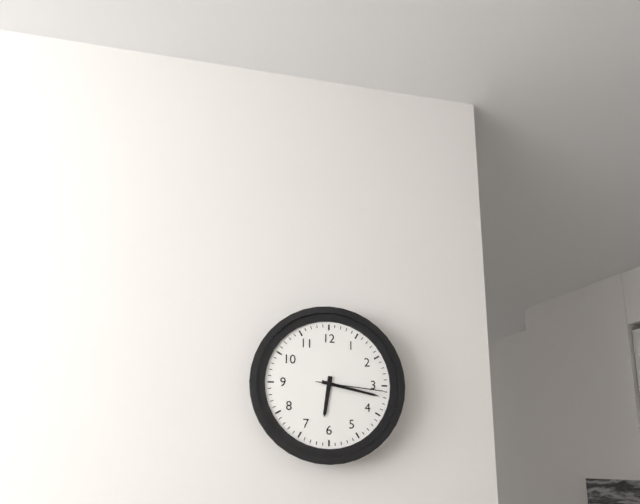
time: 6:17:16
